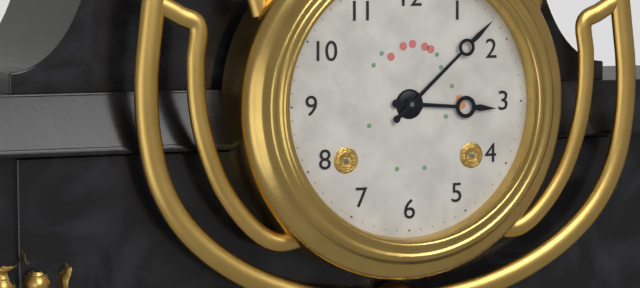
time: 3:08
